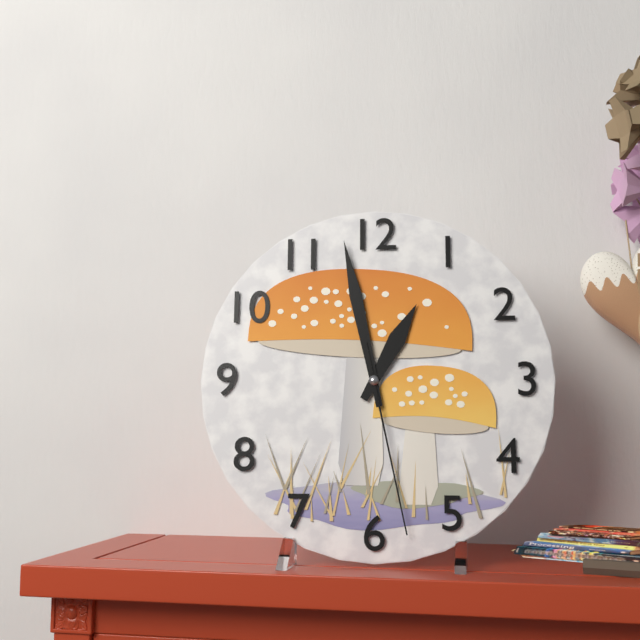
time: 12:58:28
